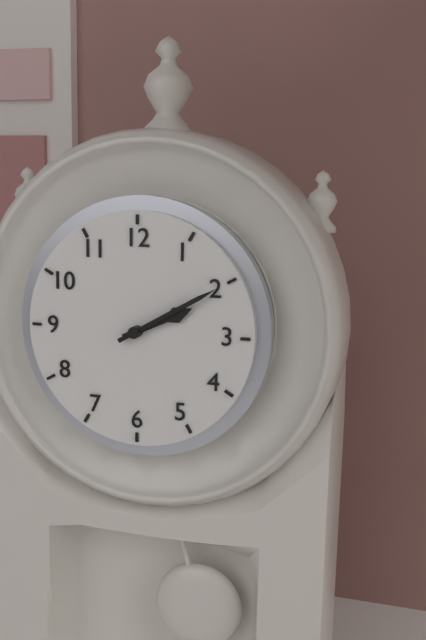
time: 2:10
